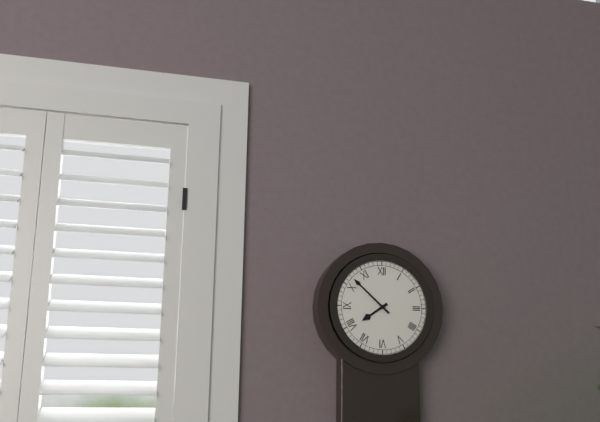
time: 7:52
